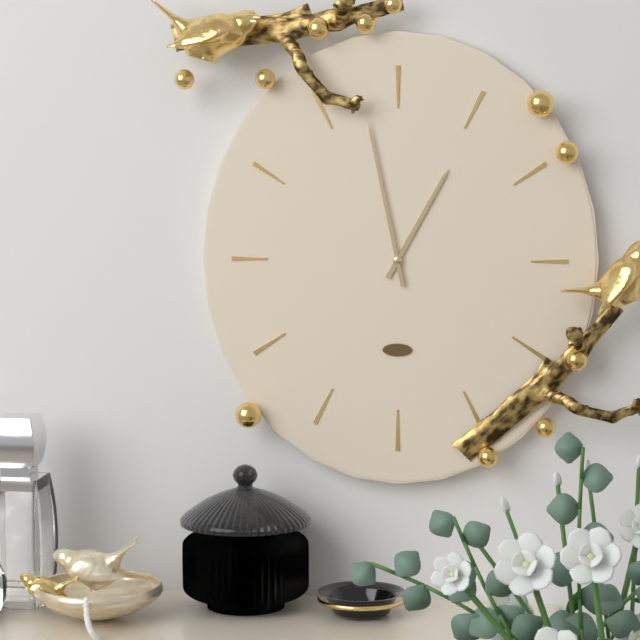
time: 12:58
